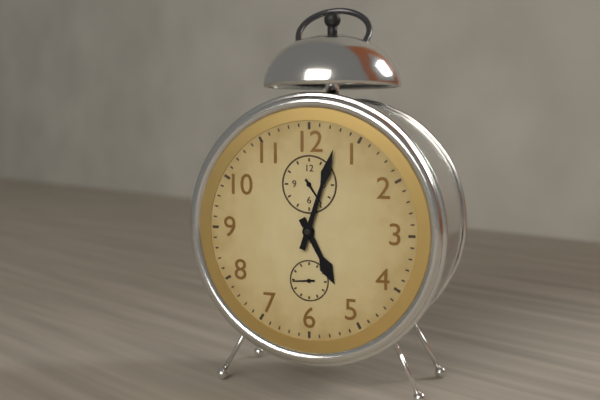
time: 5:03
